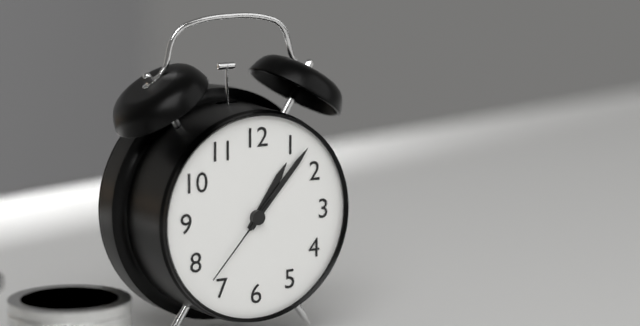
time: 1:07:37
